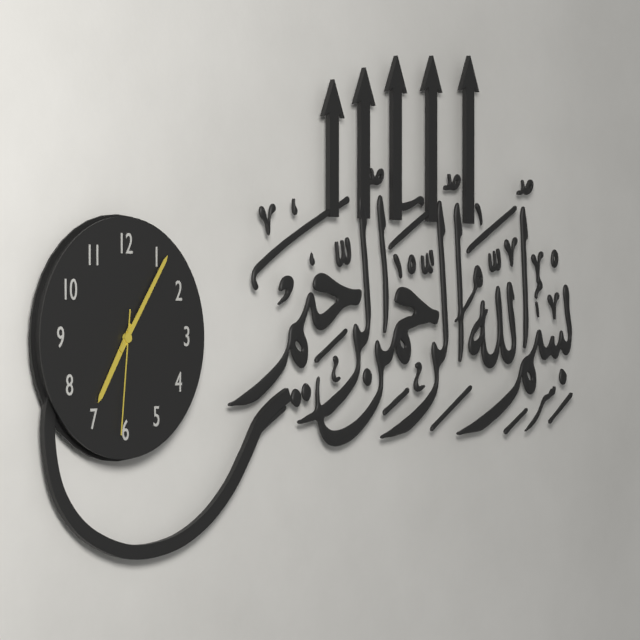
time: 7:06:31
